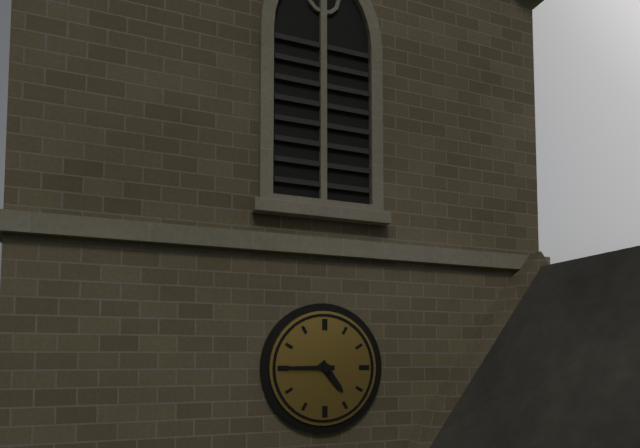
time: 4:45
